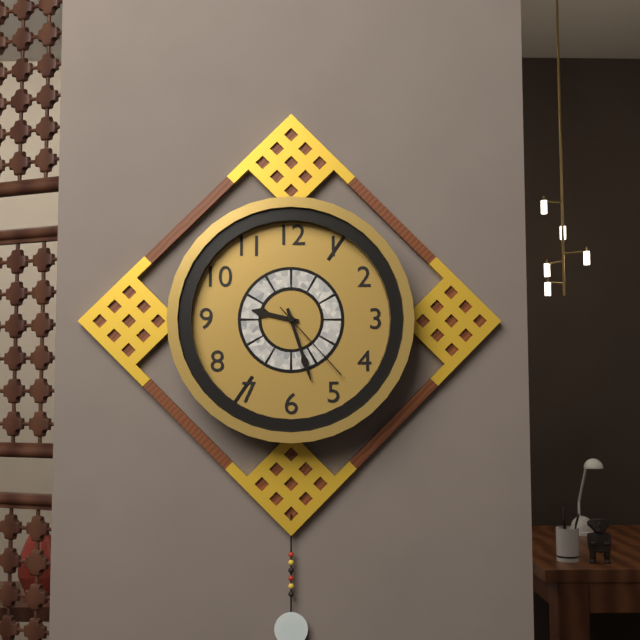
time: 9:27:23
